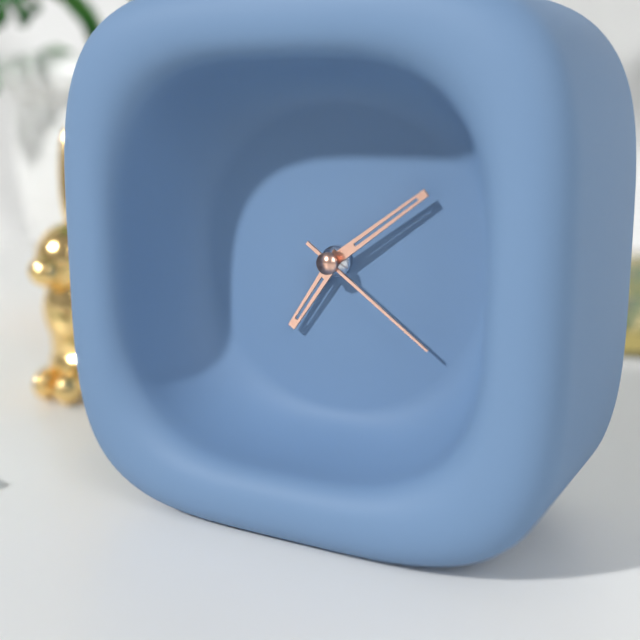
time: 7:09:21
